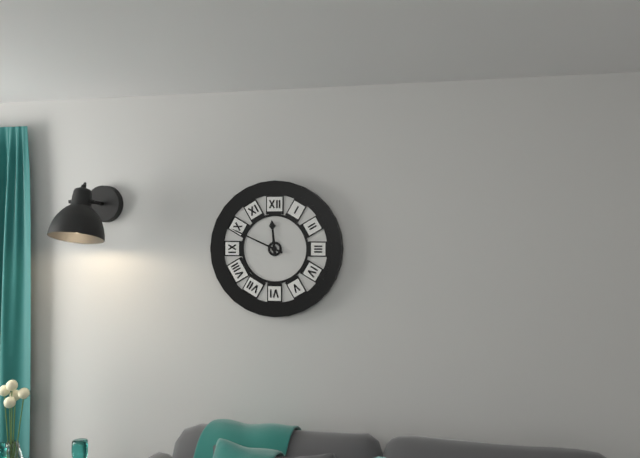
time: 11:49
